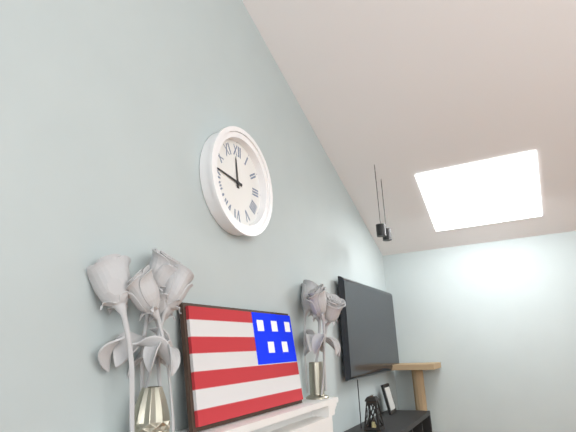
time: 11:46
